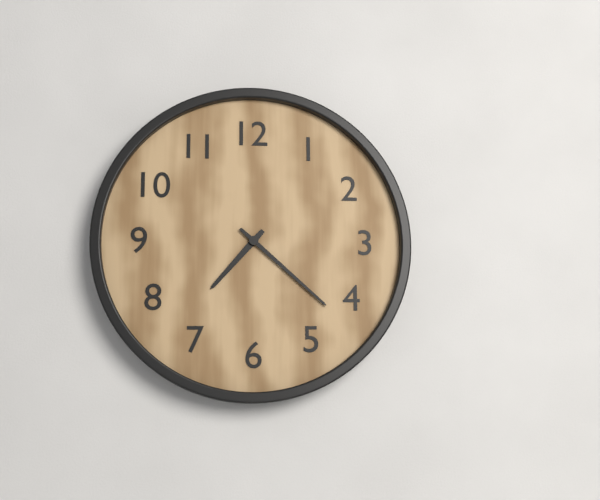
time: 7:22
